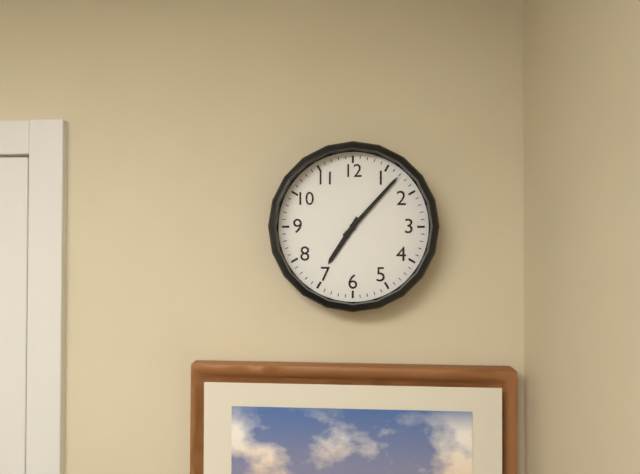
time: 7:07
